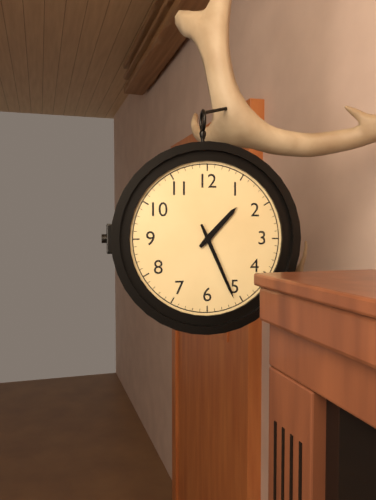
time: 1:26
